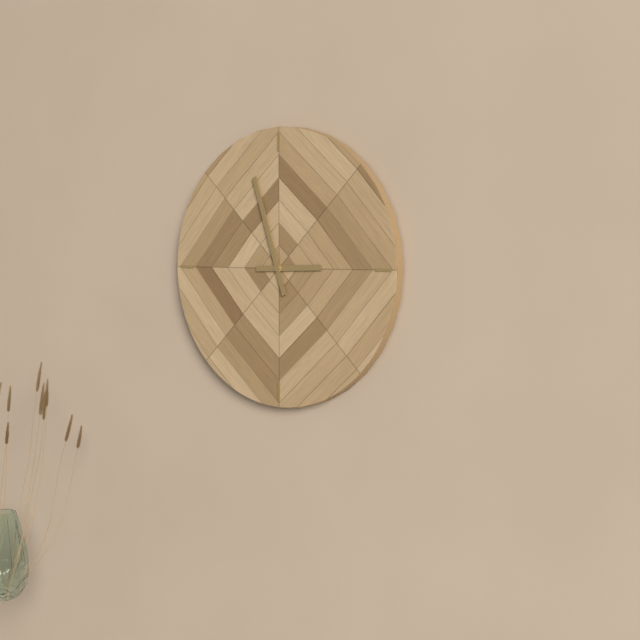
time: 2:57
